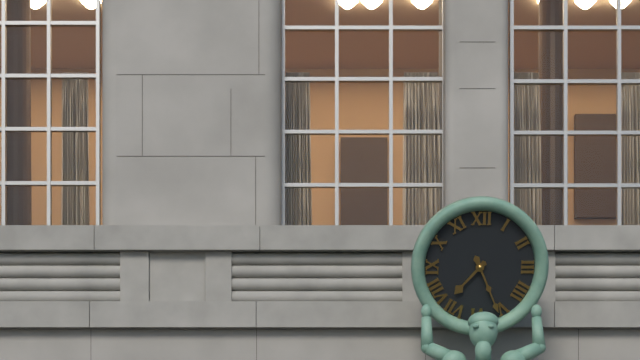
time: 7:26
